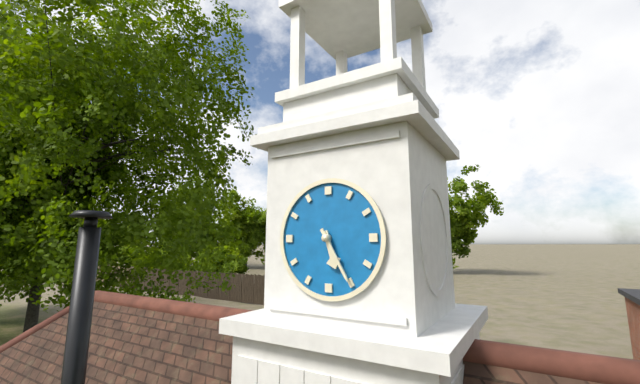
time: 5:25
